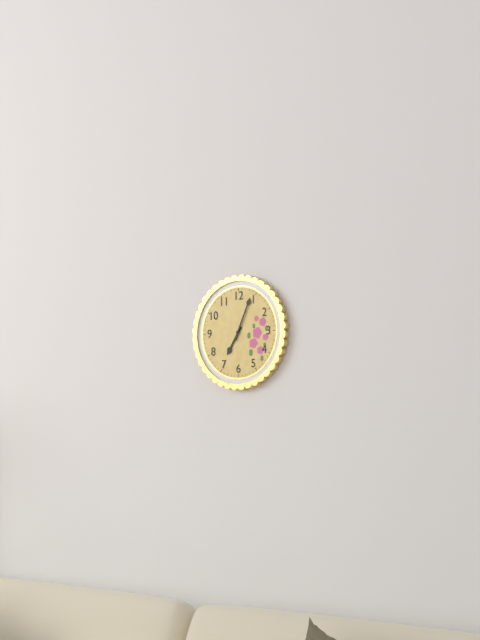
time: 7:04
